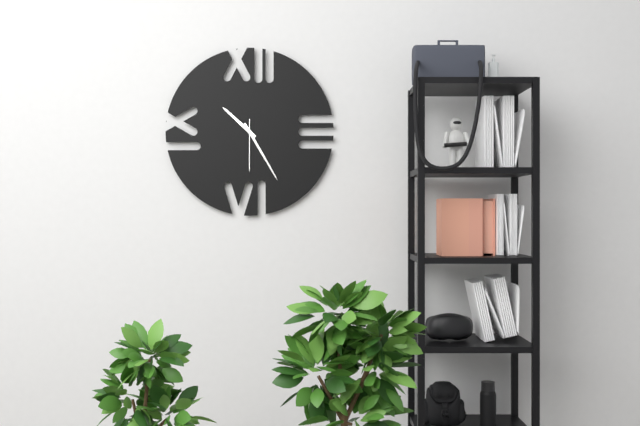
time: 10:25
